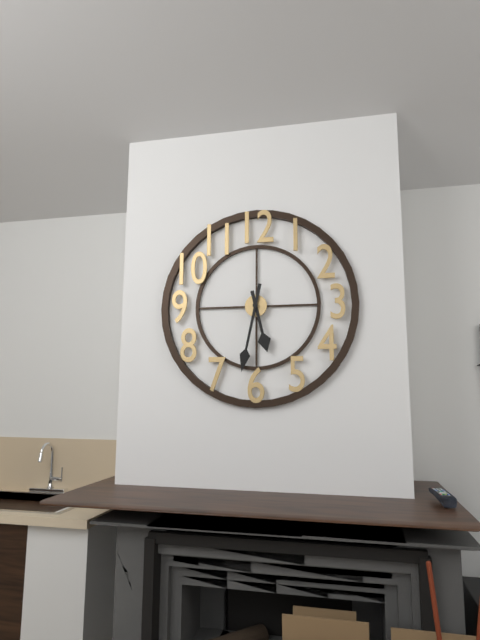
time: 5:32
